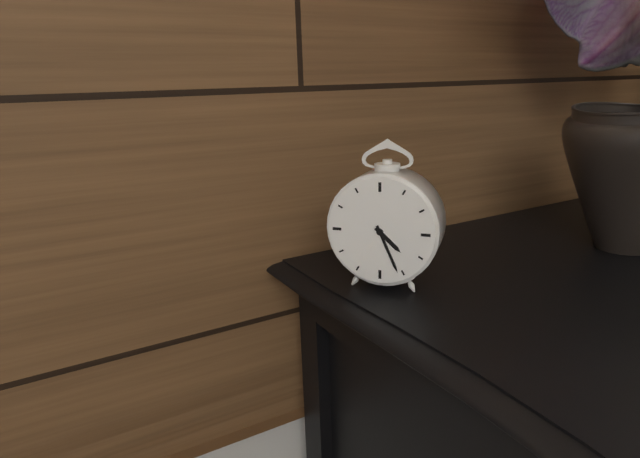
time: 4:26
